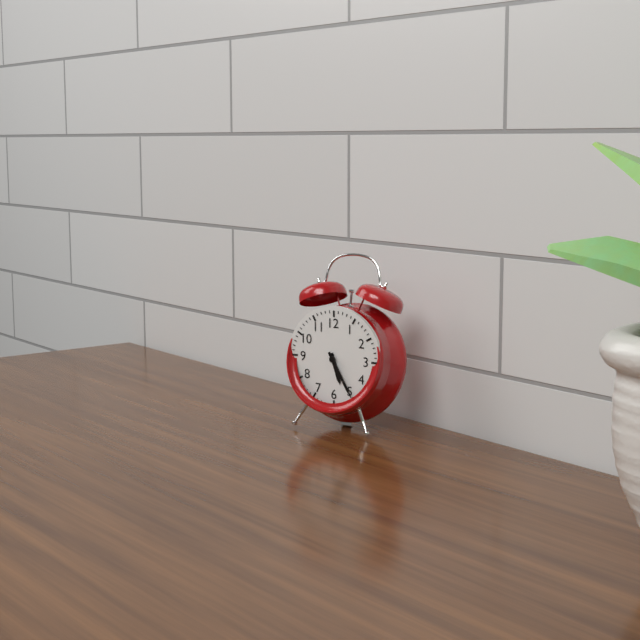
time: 5:25
